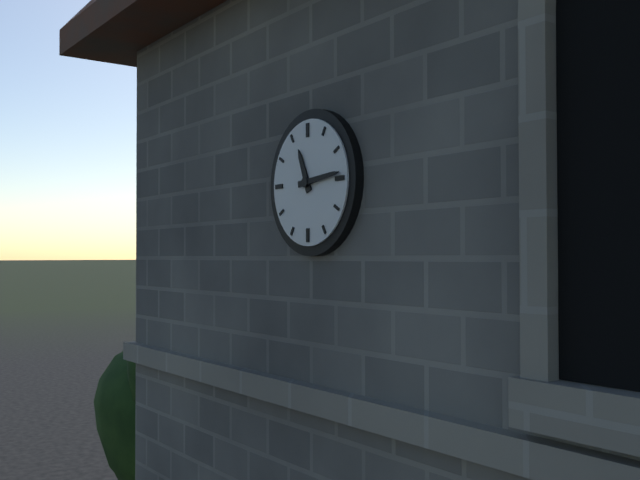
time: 11:14
